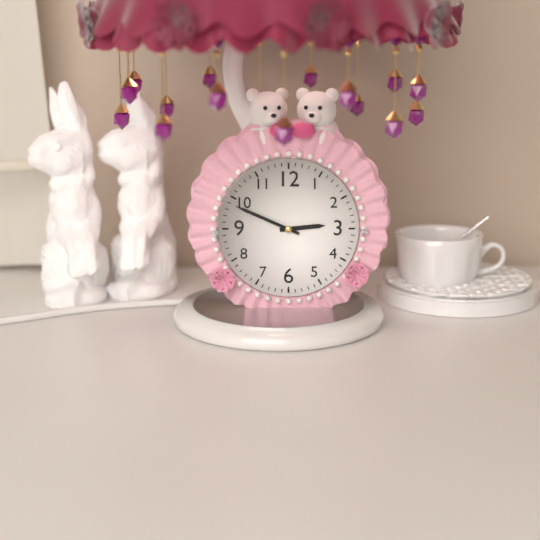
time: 2:49
